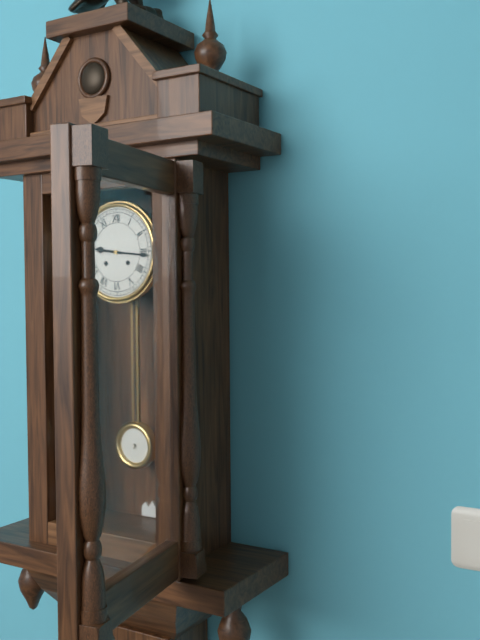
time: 9:16
